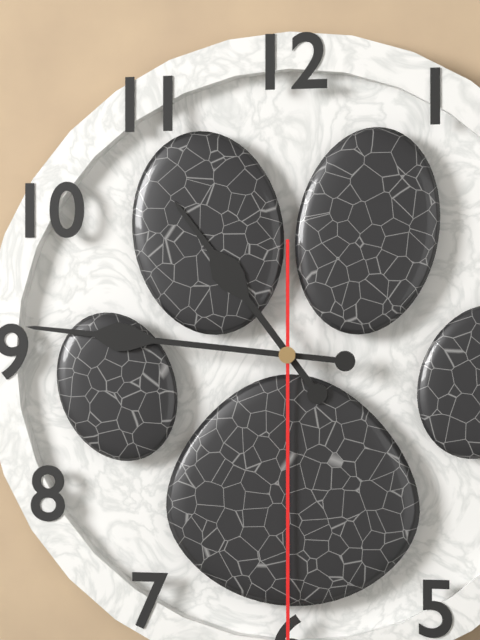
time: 10:46
